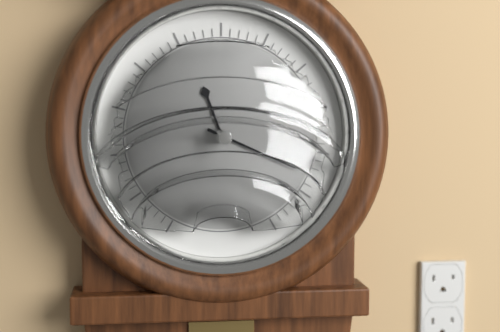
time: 11:19
